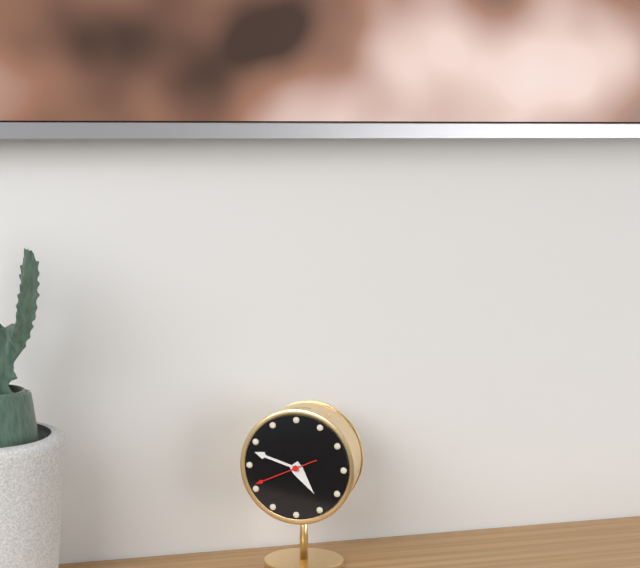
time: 4:48:41
